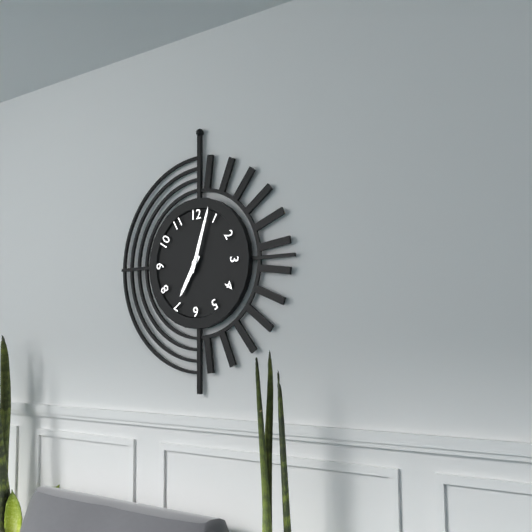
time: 7:03
